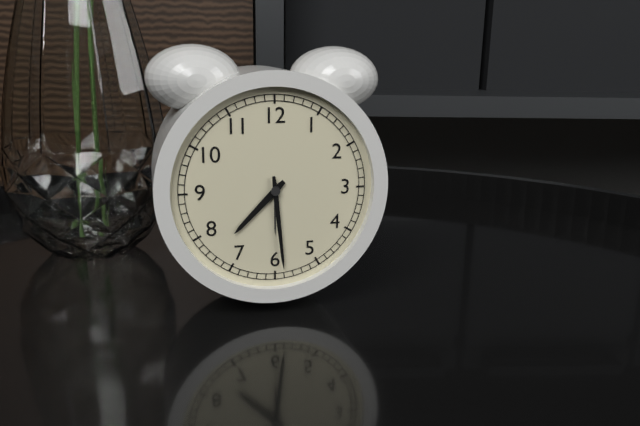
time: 7:29
